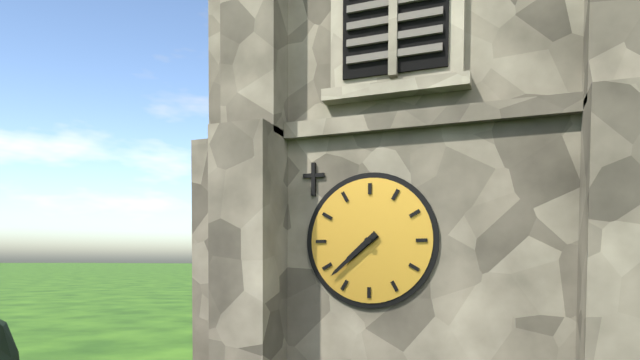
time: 7:38
